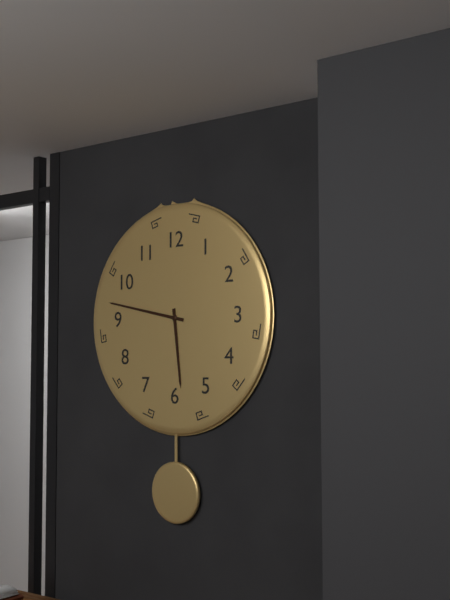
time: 5:47
